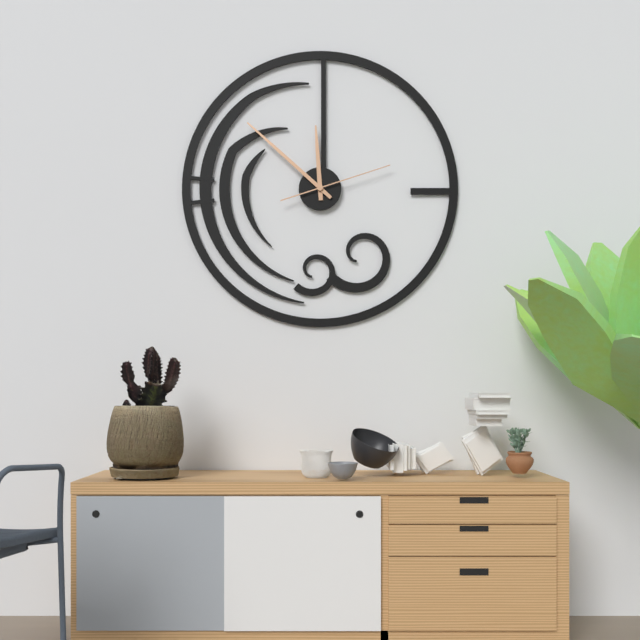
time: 11:52:12
